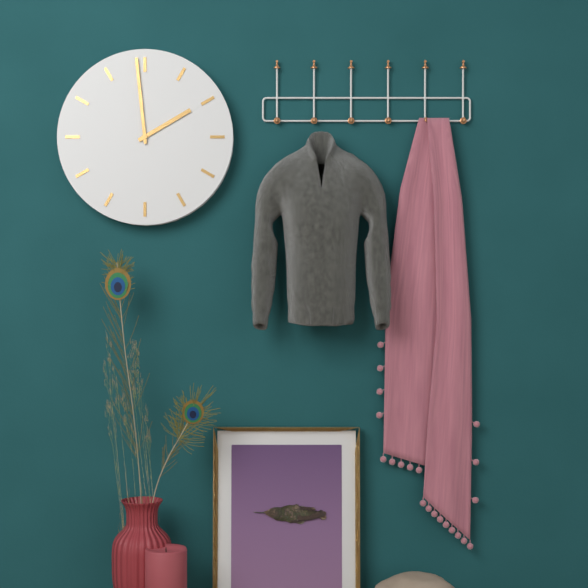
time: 1:59
